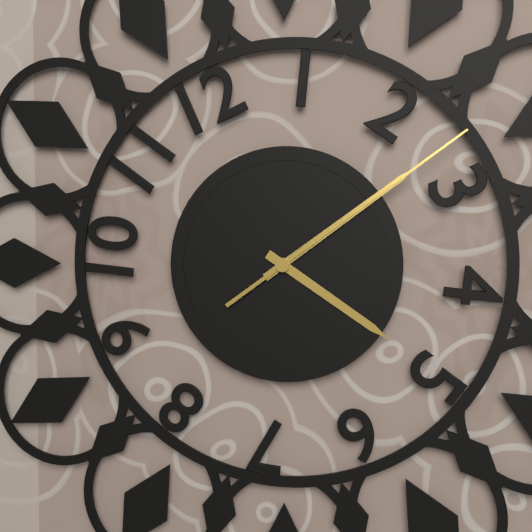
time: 4:09:09
